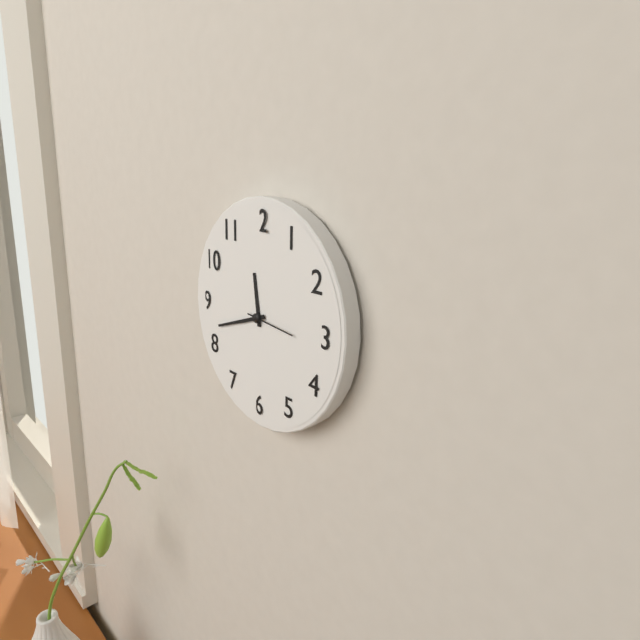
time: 11:42
